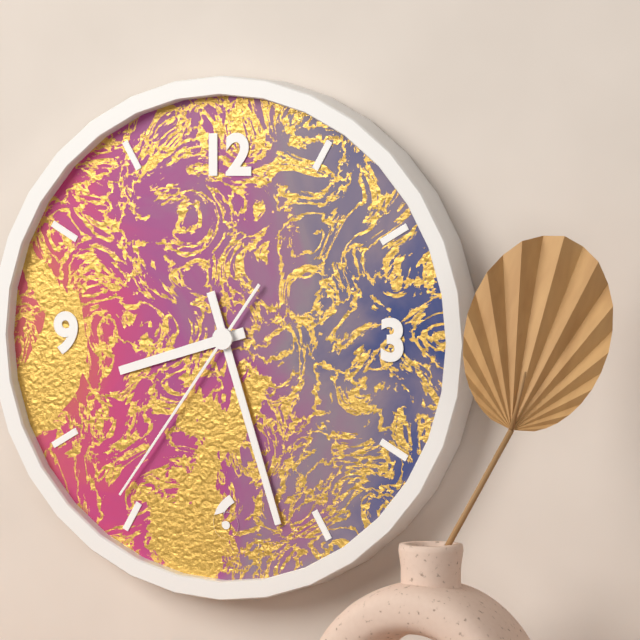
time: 8:27:36
